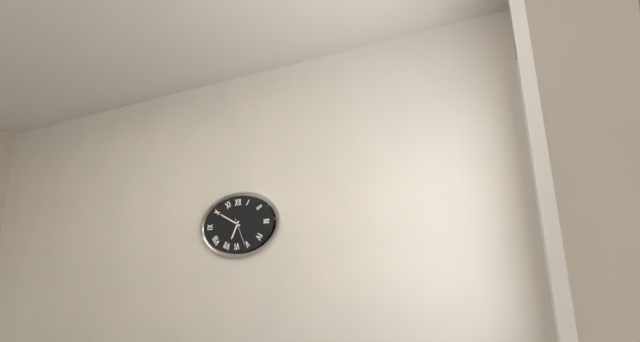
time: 6:50
